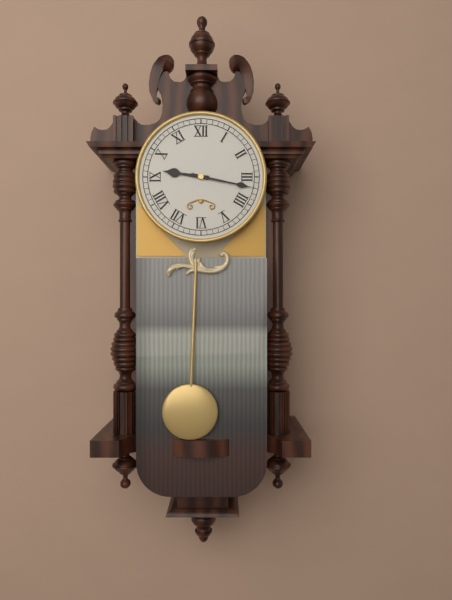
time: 9:17
